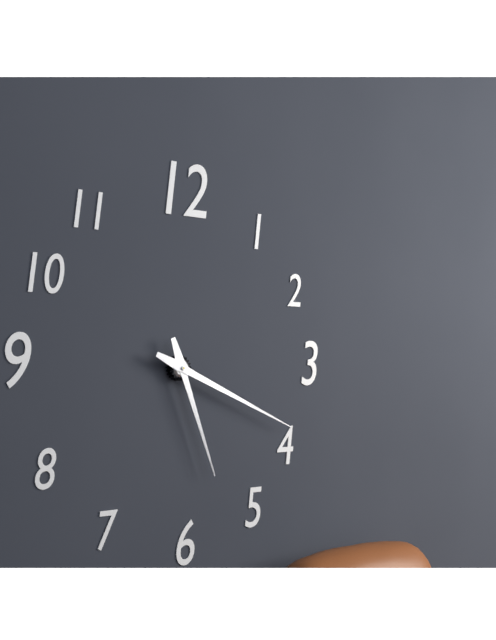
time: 5:19
